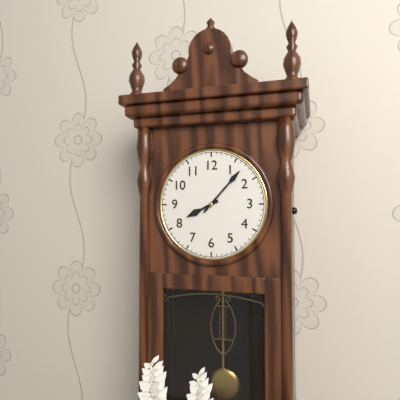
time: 8:07
